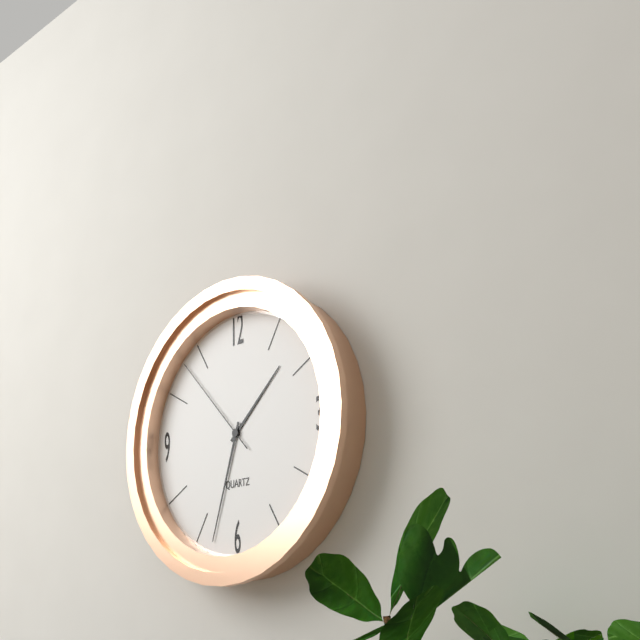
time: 1:33:53
